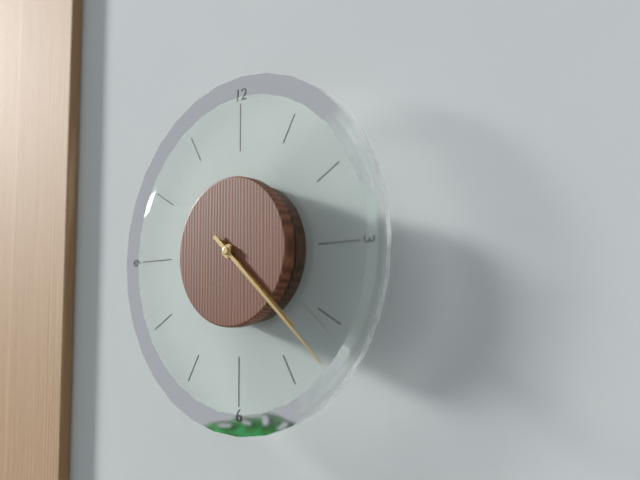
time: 4:22
